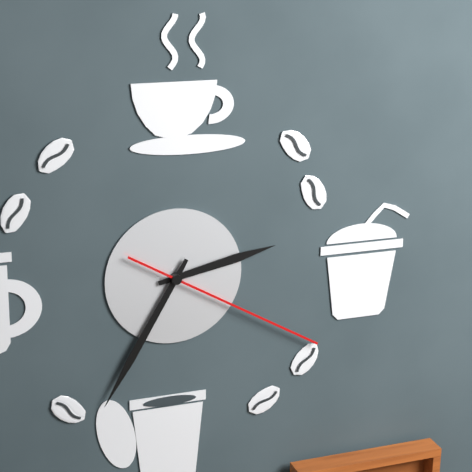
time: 2:35:20
